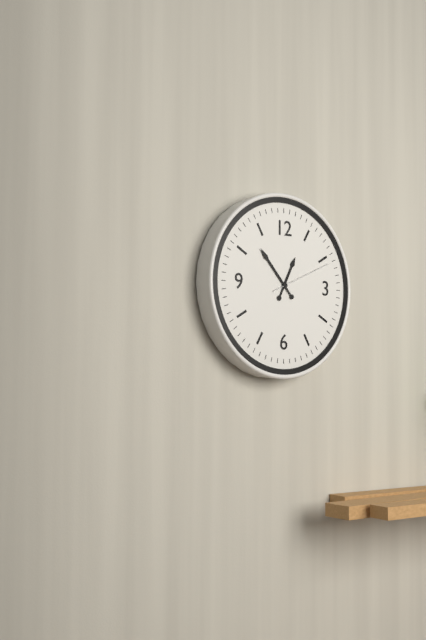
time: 12:53:11
